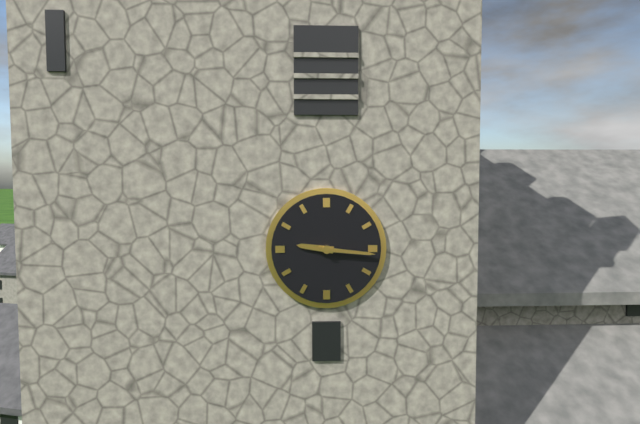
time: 9:16
